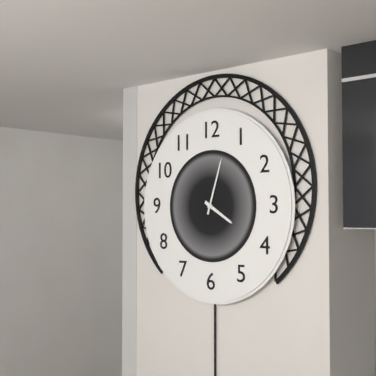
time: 4:03
